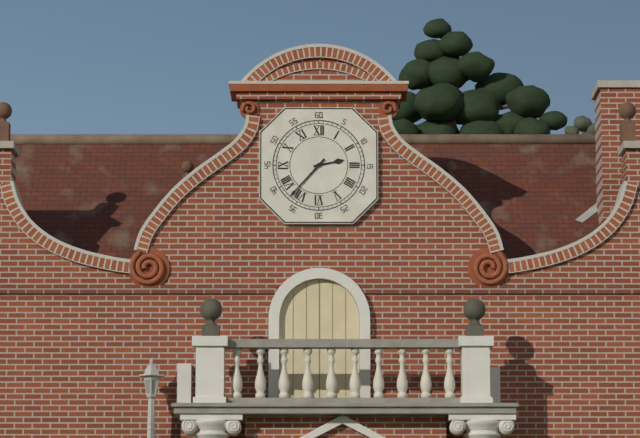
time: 2:37
